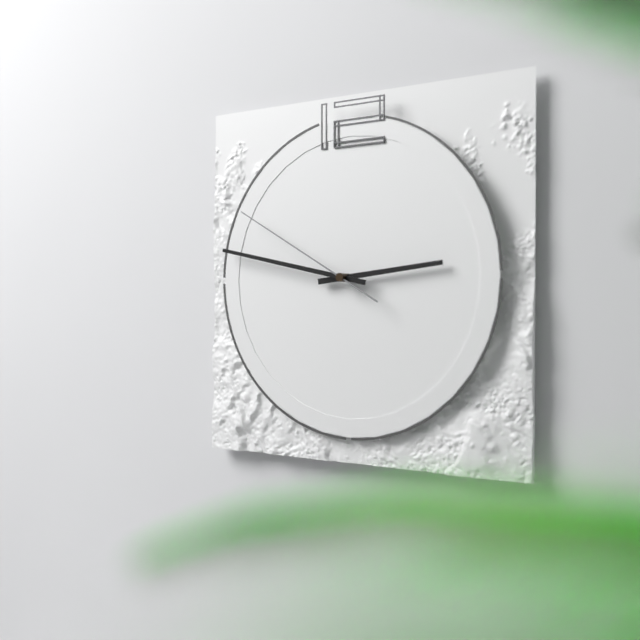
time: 2:47:50
